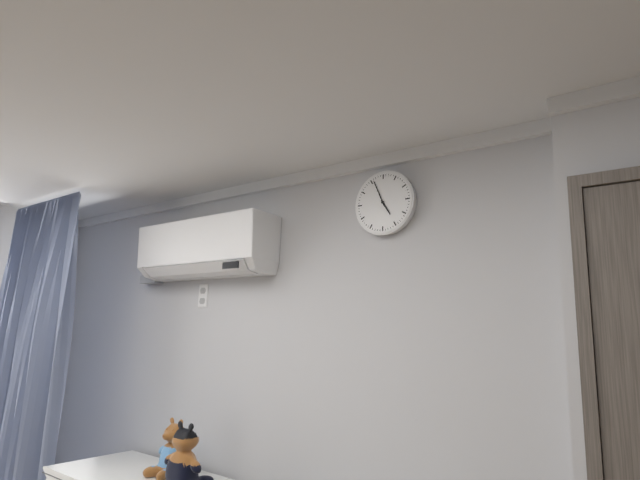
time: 4:56
